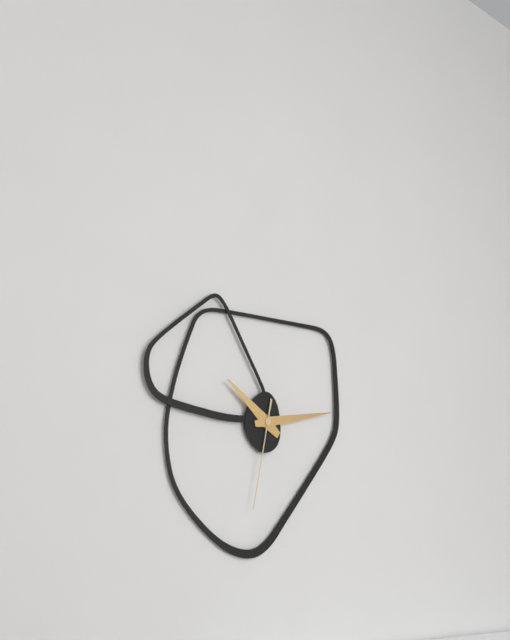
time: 10:13:32
